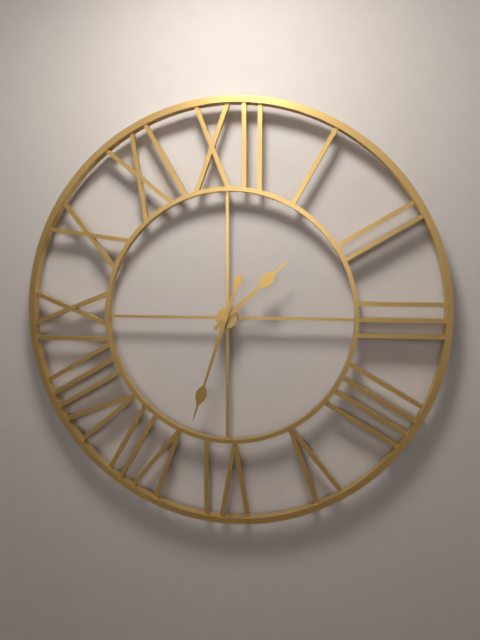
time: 1:33
